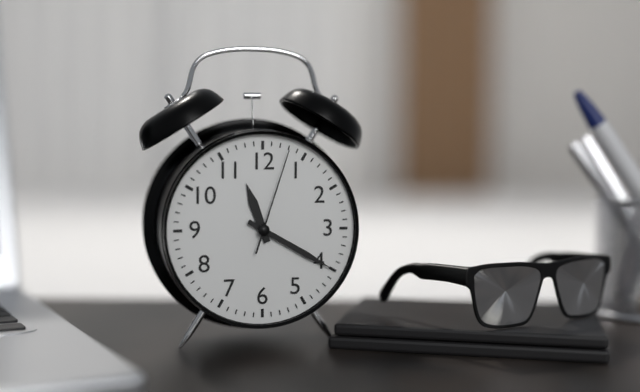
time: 11:20:03
